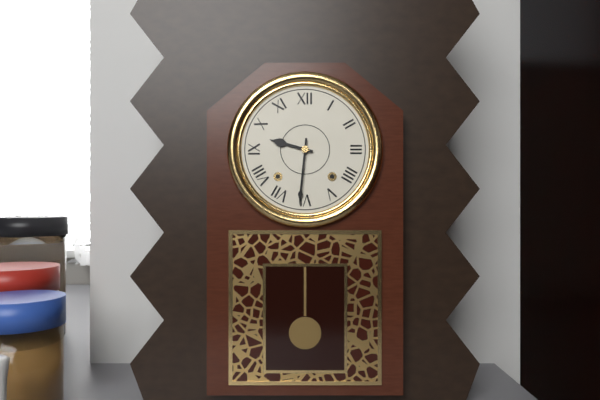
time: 9:31
